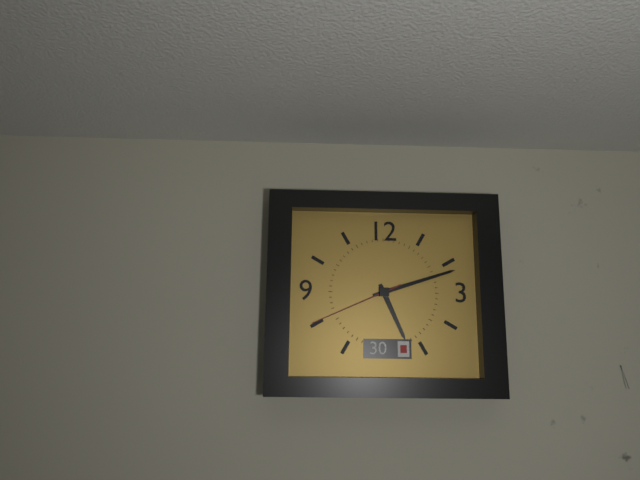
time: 5:12:41
